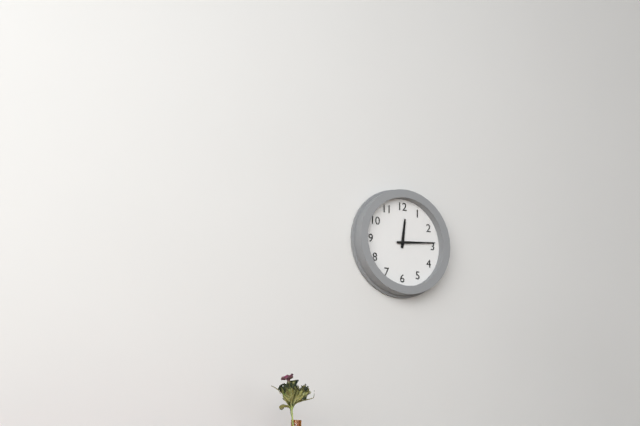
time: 12:14
